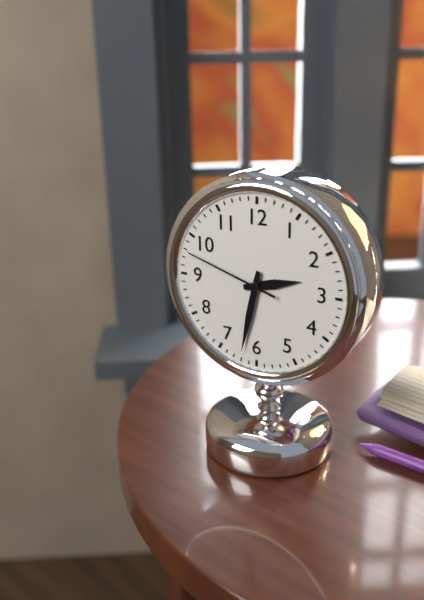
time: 2:32:48
